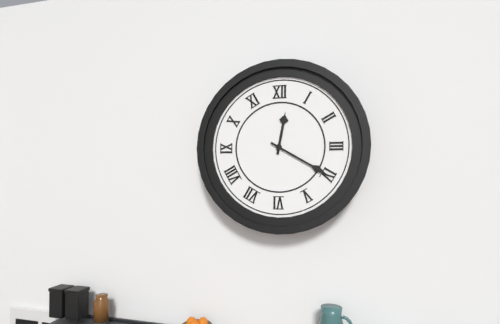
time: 12:20
